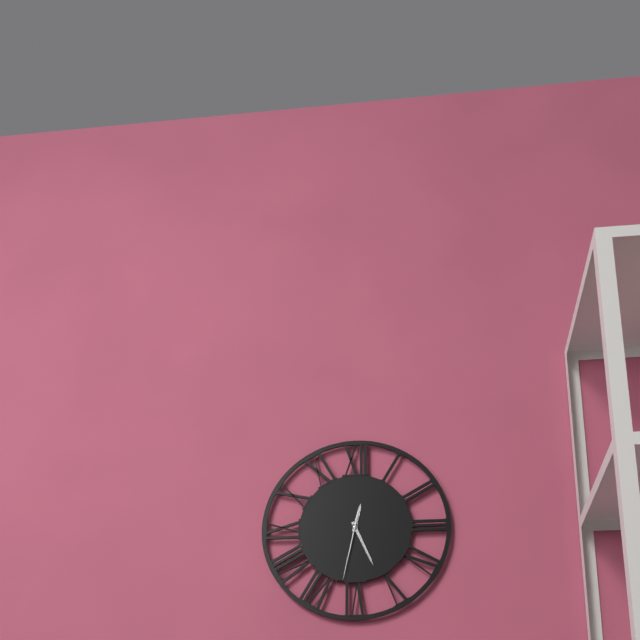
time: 12:26:32
